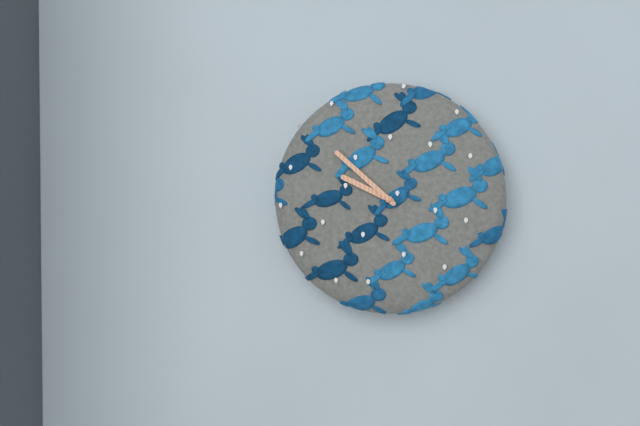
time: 9:52
